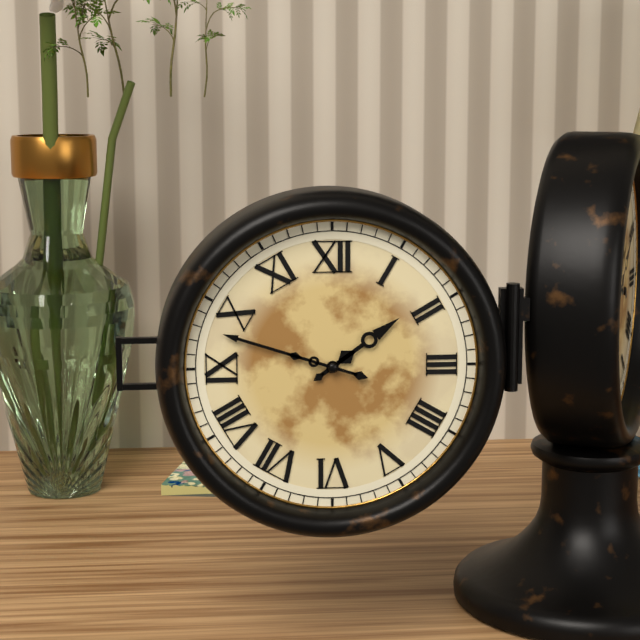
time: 1:48
